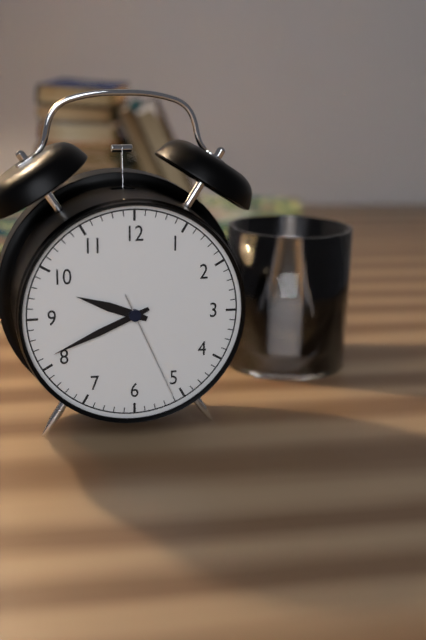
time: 9:41:26
